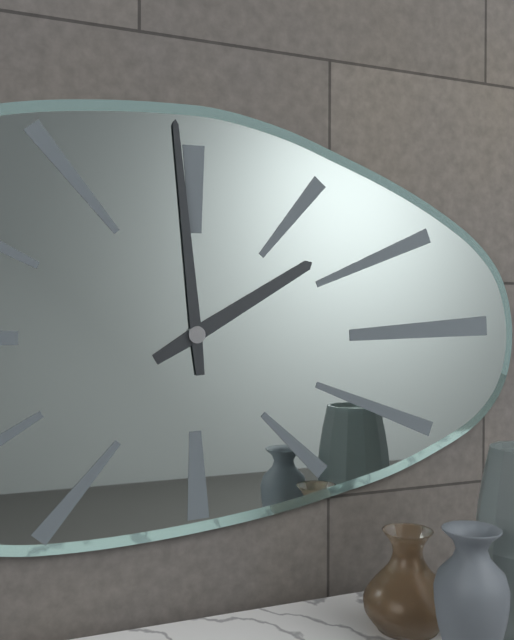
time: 1:59
